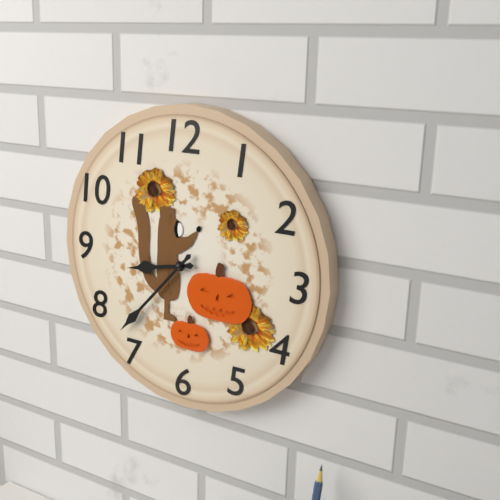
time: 8:37
